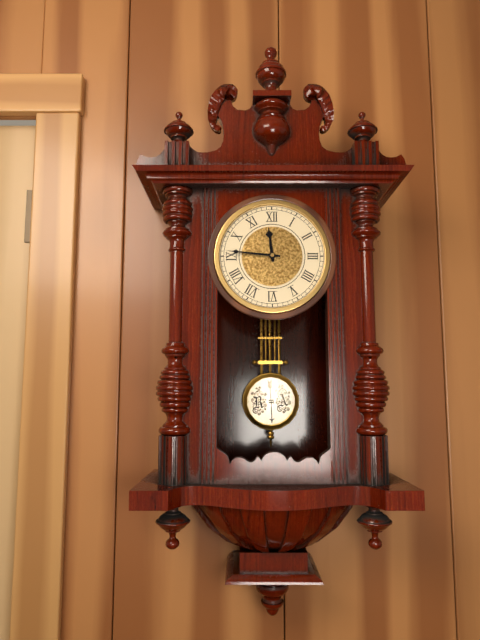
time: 11:46
